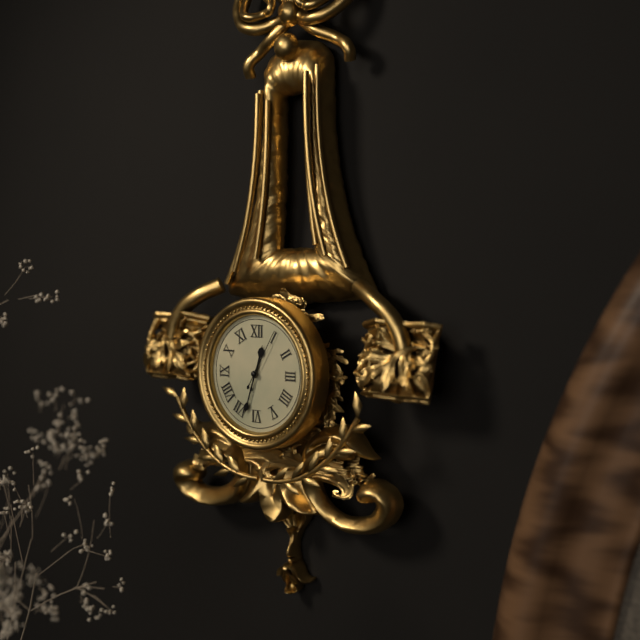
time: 12:33:05
